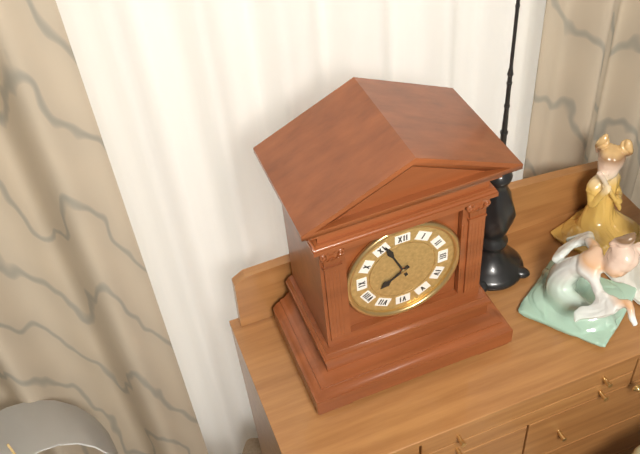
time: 7:56
